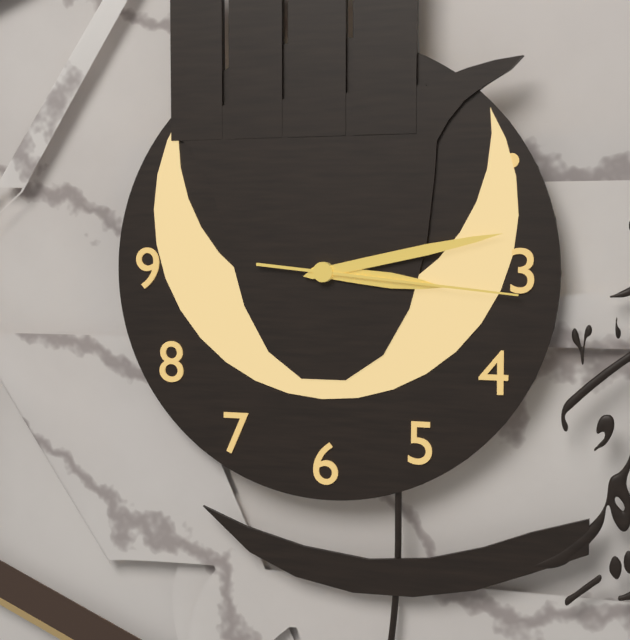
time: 3:13:16
